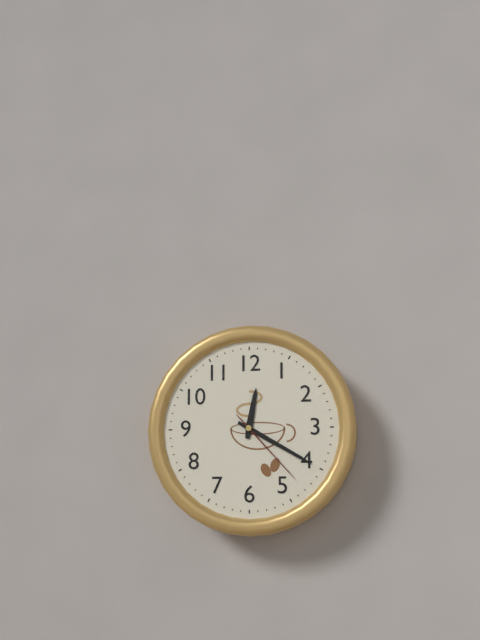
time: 12:20:23
